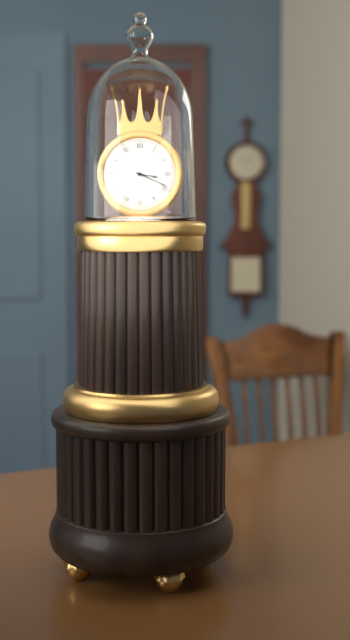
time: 3:19
